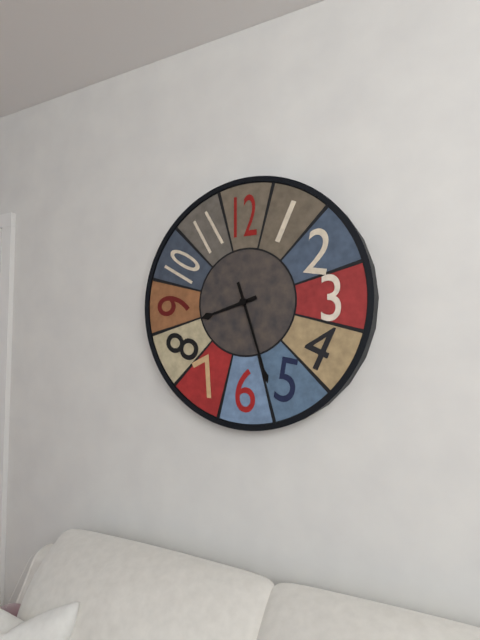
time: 8:27
